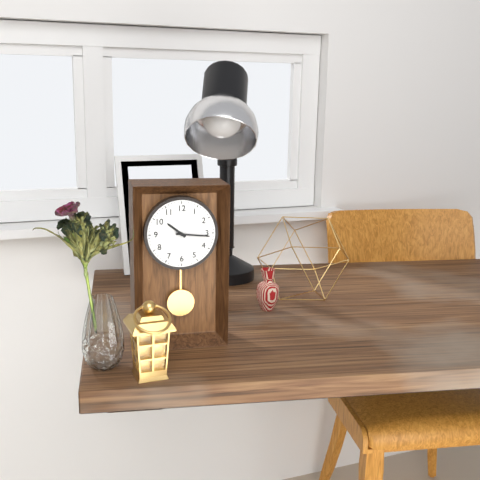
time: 10:16
